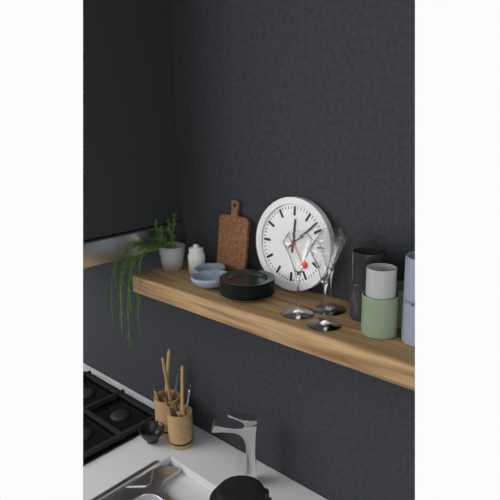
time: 12:08
